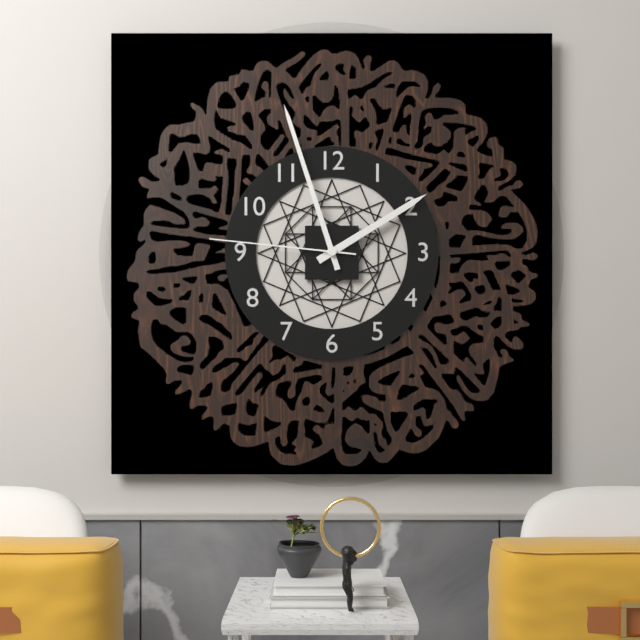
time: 1:57:46
